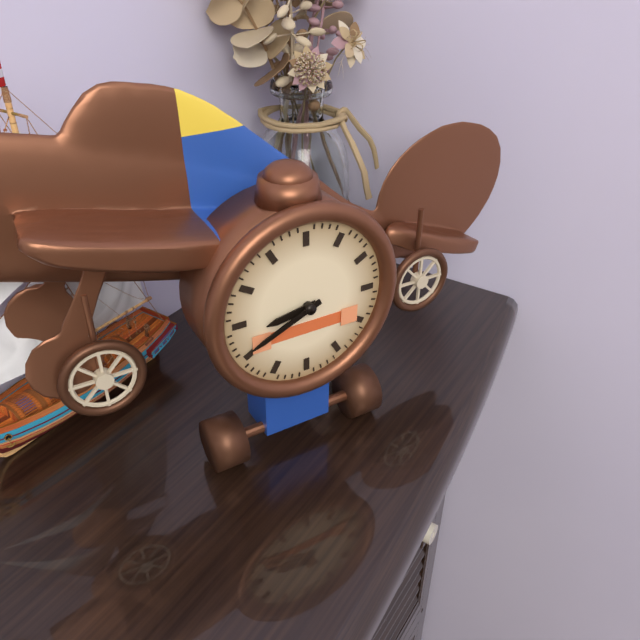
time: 8:41
